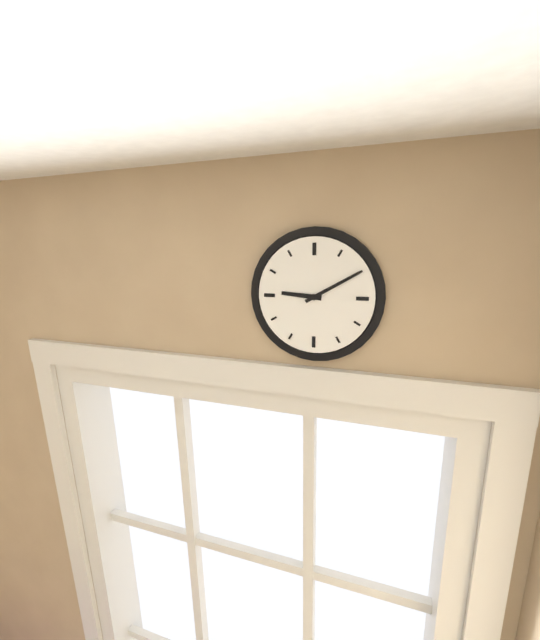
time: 9:10
